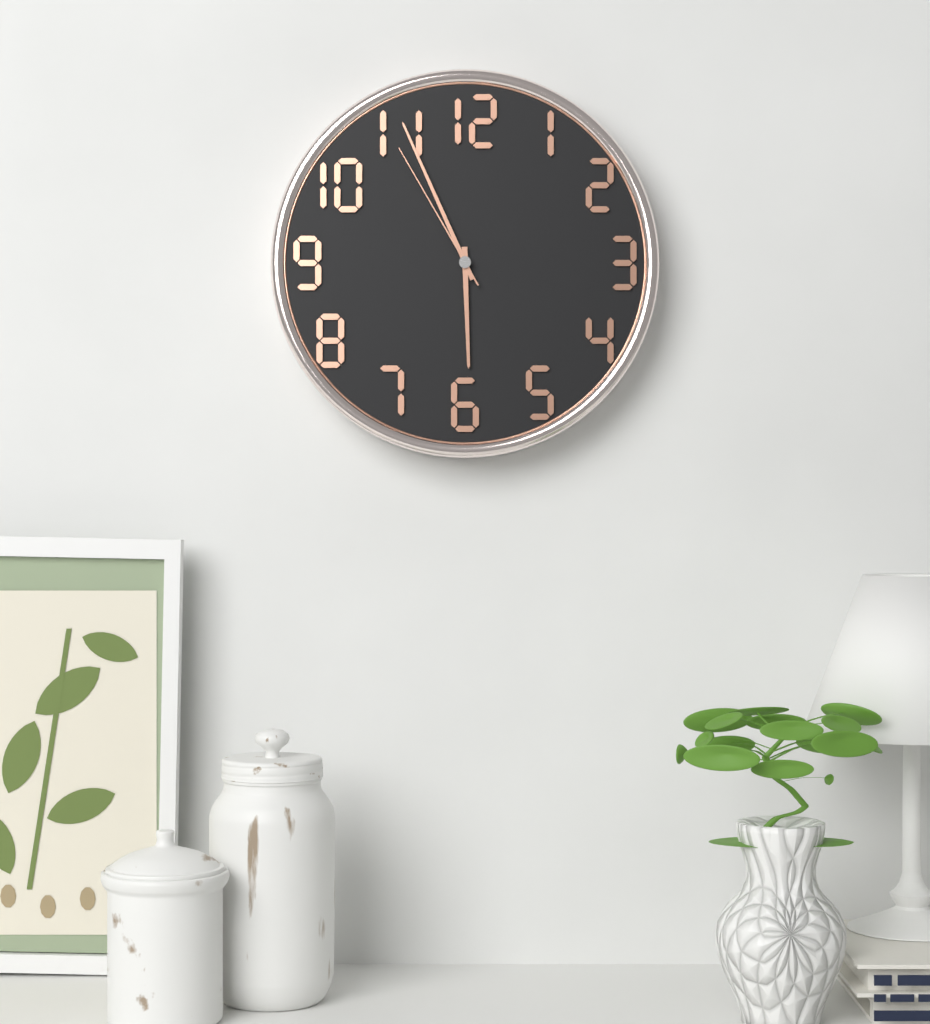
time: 5:56:55
